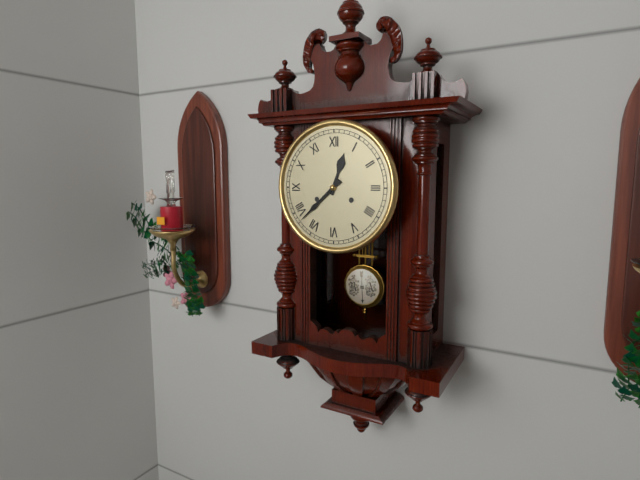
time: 12:38
